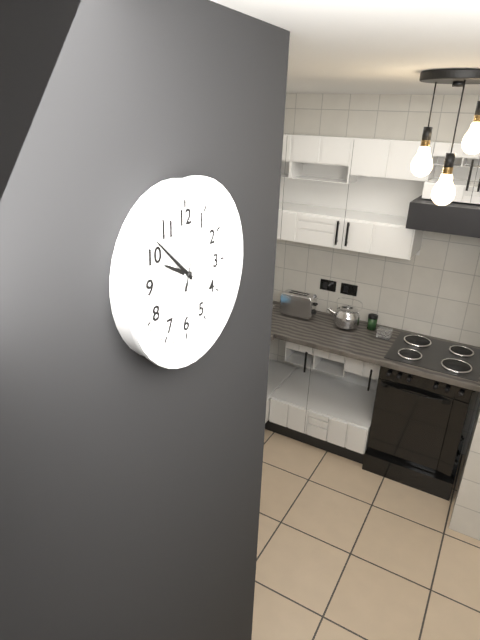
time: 9:52:03
